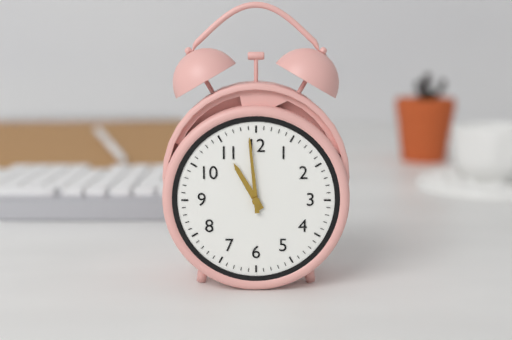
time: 10:59
